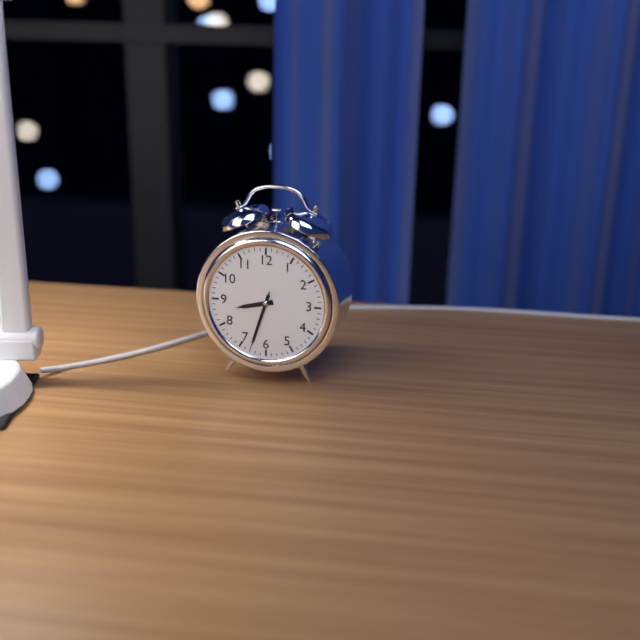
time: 8:33:33
